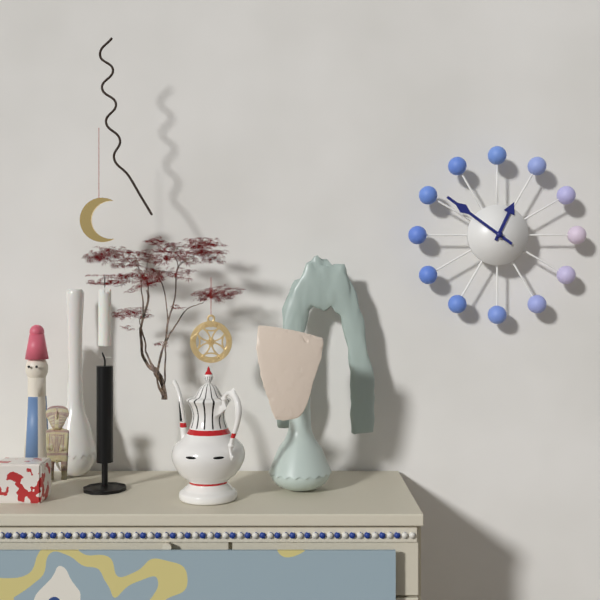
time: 12:51
